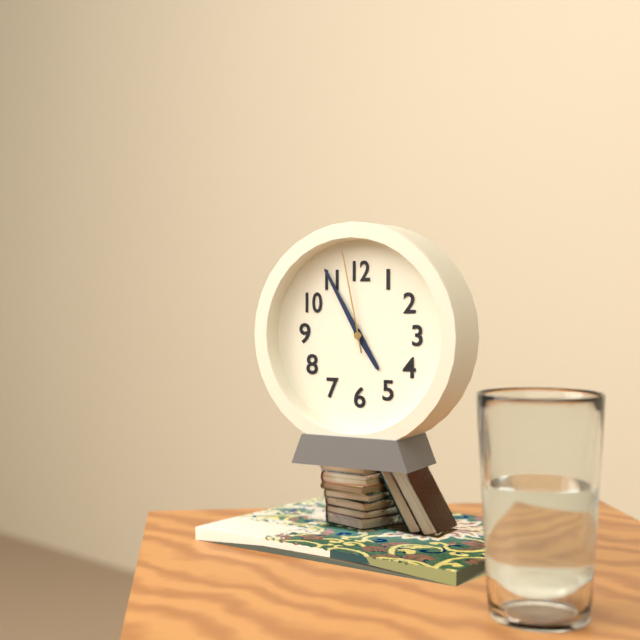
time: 4:55:58
